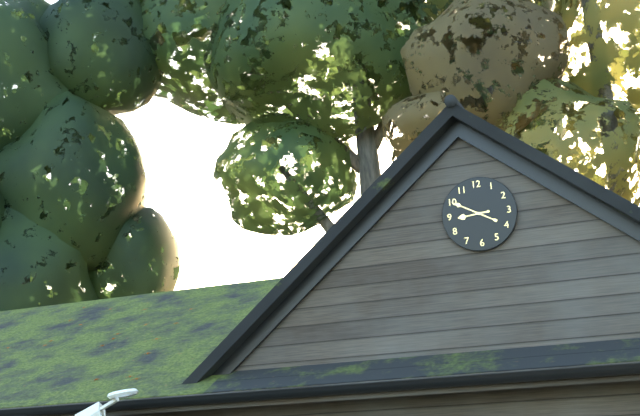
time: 8:50
